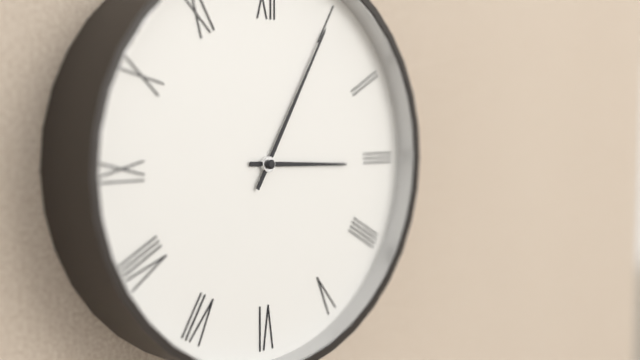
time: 3:05
